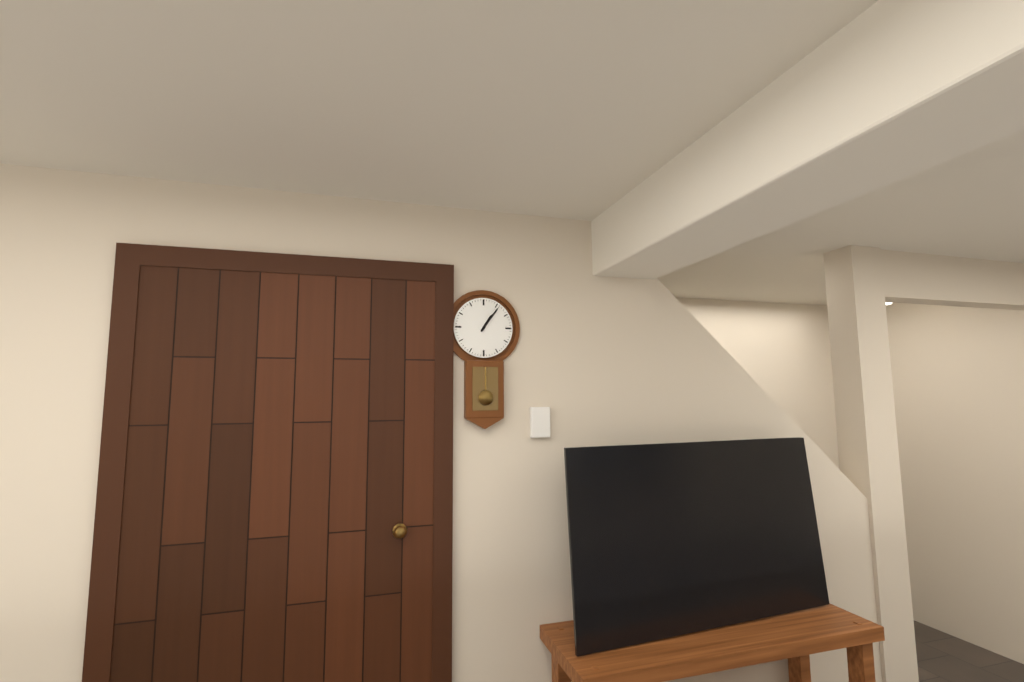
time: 1:06
